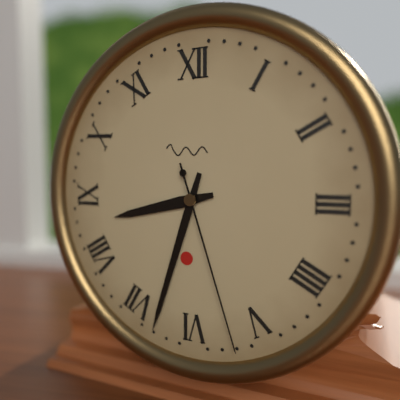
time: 8:33:27
